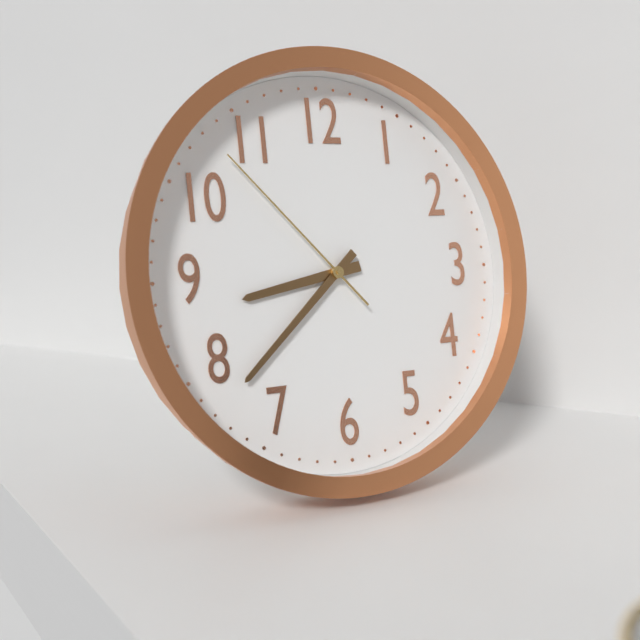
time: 8:38:53
